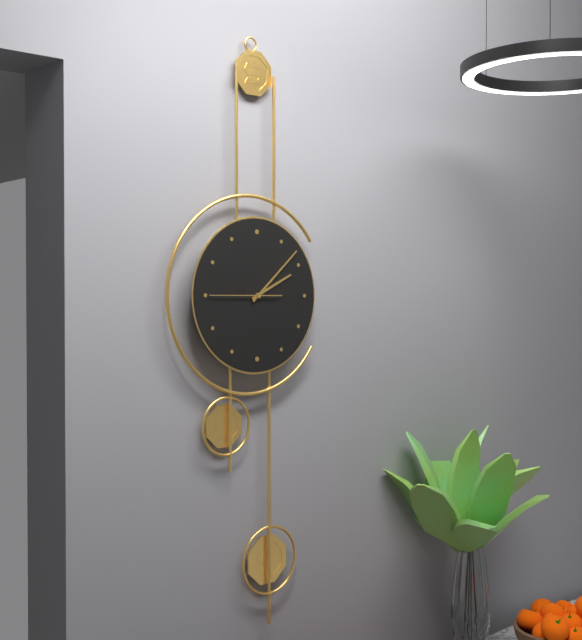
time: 2:08:45
